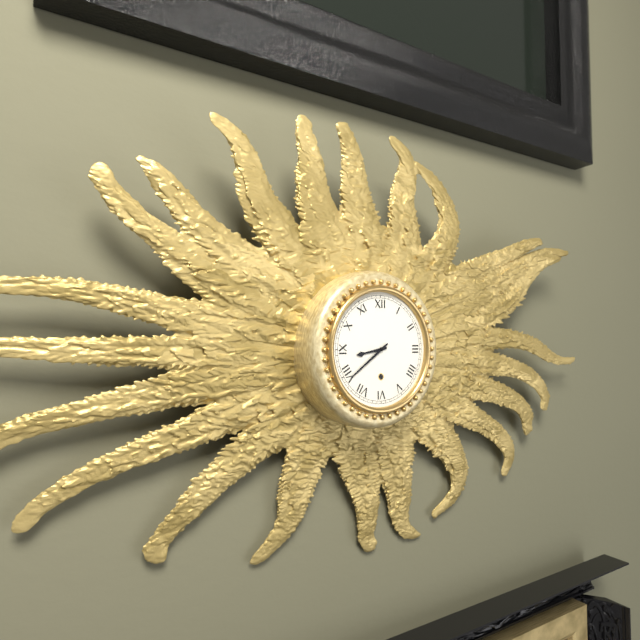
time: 8:39
